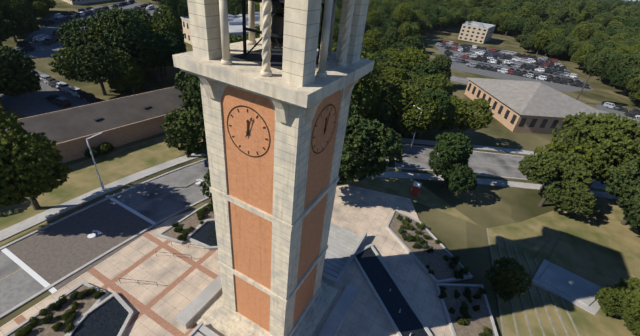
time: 12:03
